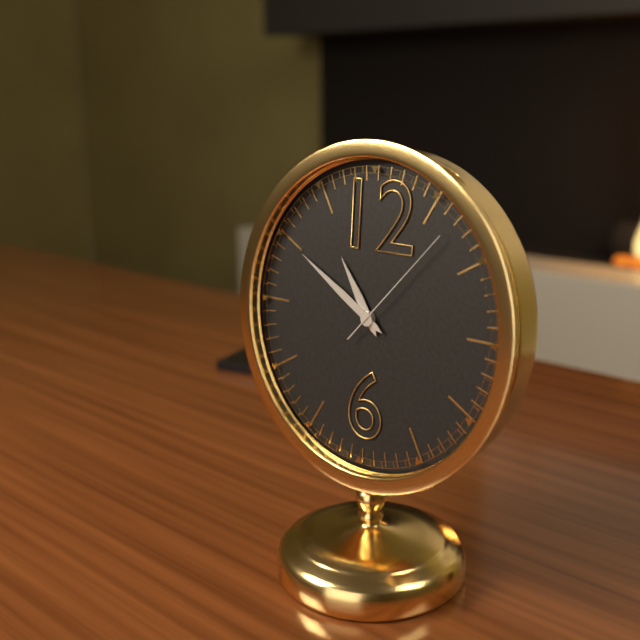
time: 10:50:07
